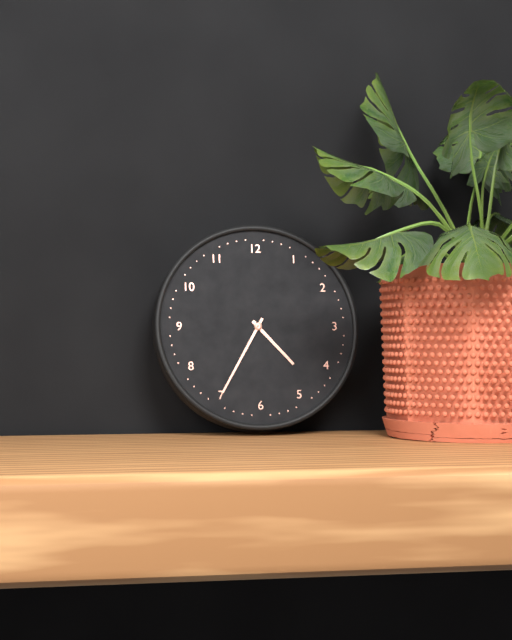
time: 4:35
